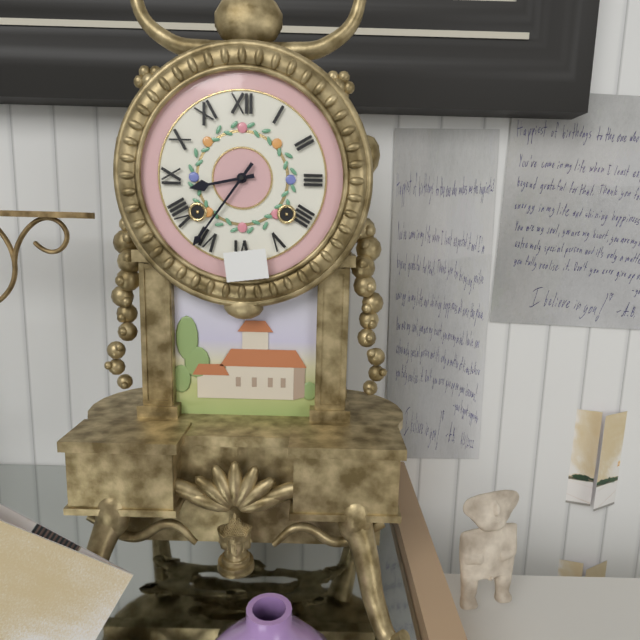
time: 8:36
